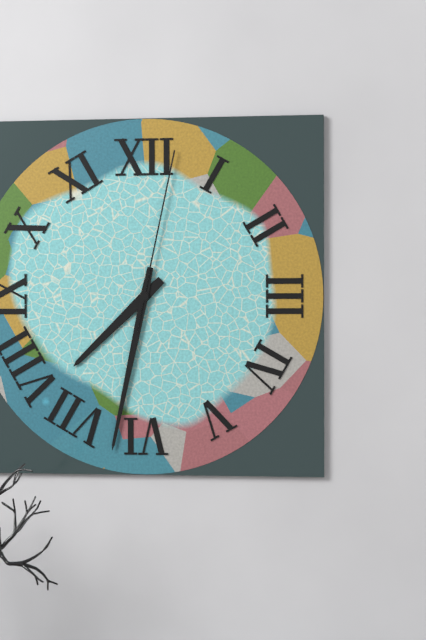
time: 7:32:02
